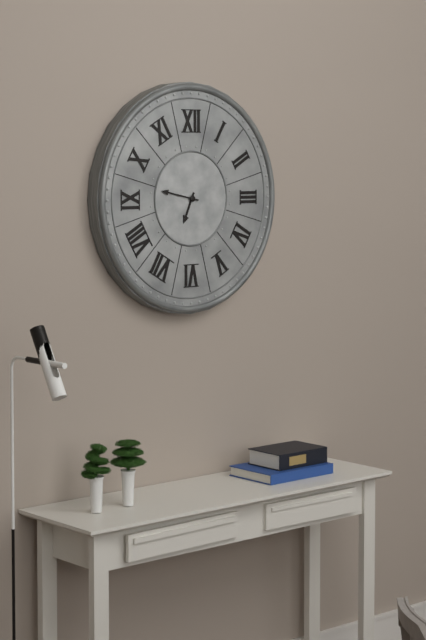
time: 6:47
